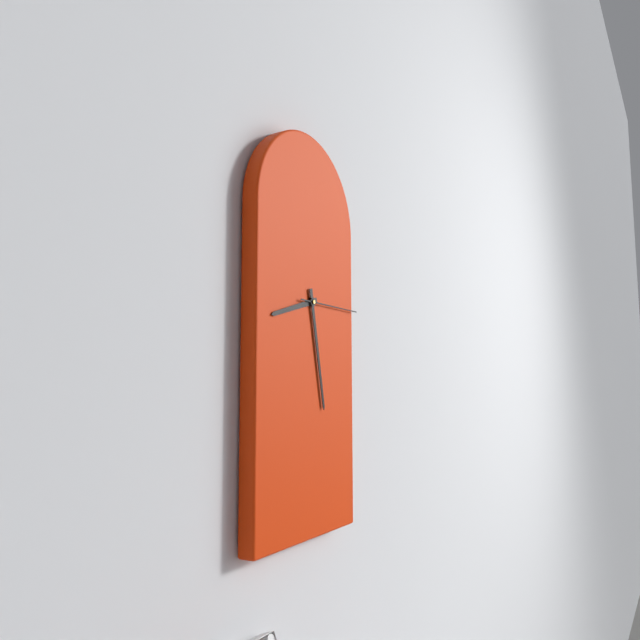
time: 8:28:15
